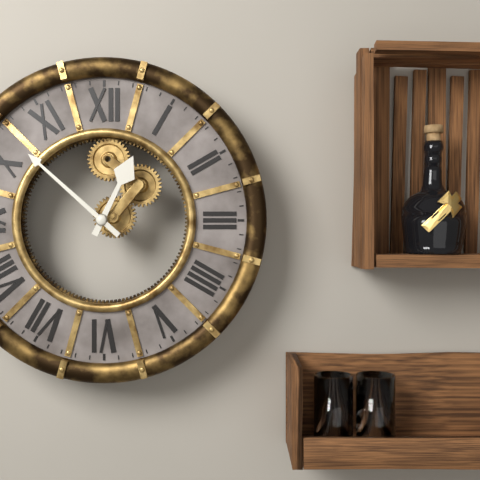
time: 12:52
